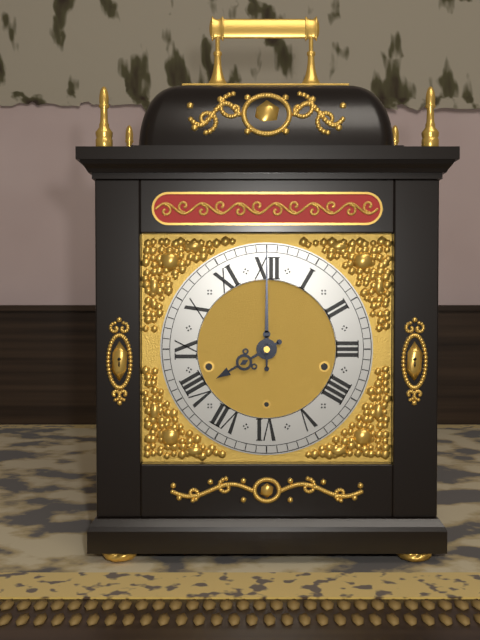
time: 8:00
